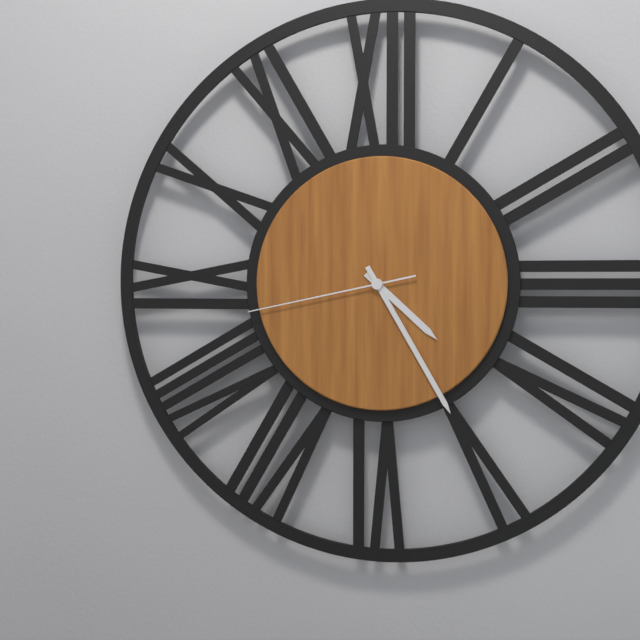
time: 4:25:43
